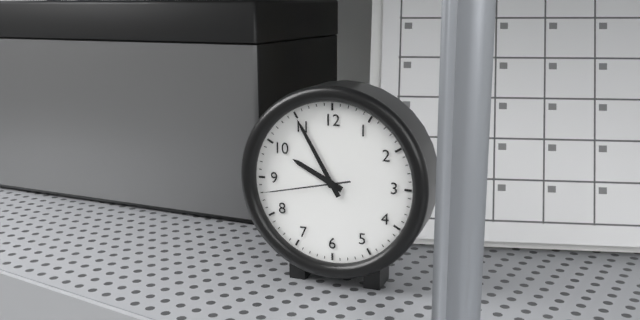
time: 9:55:43
